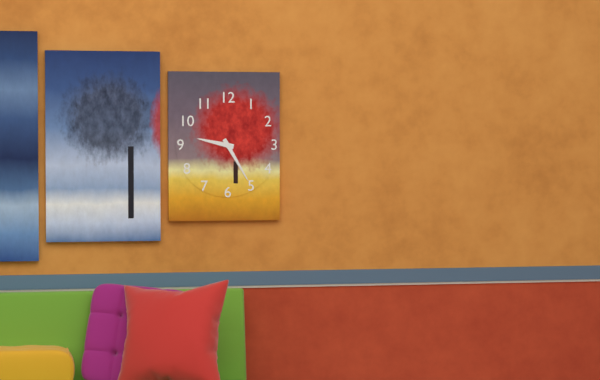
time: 9:25
